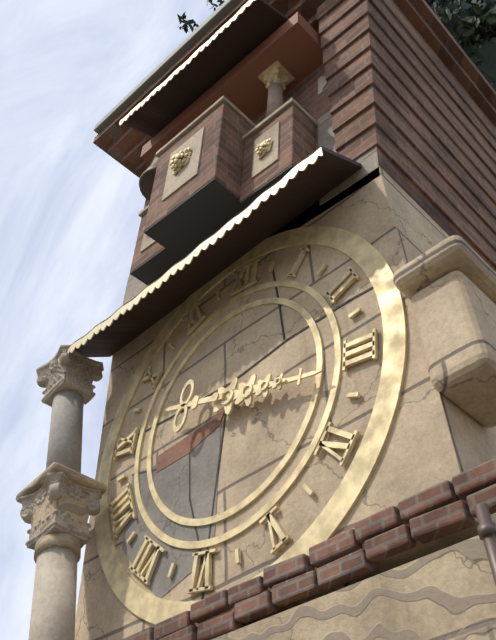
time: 9:16
